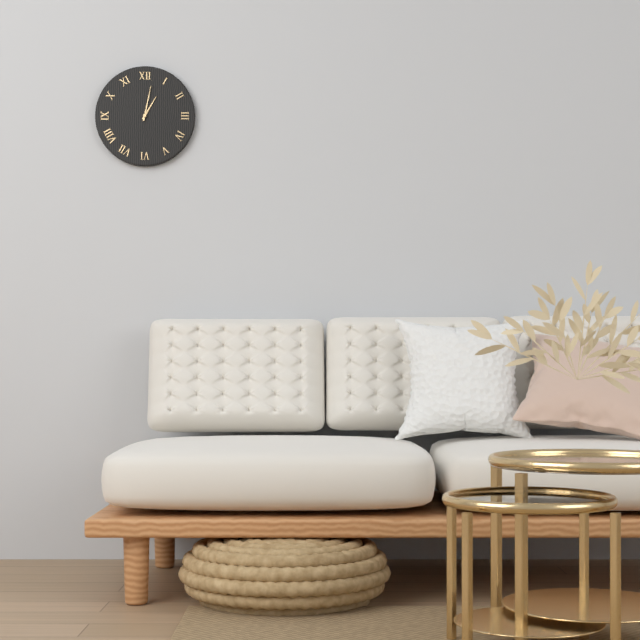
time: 1:02
